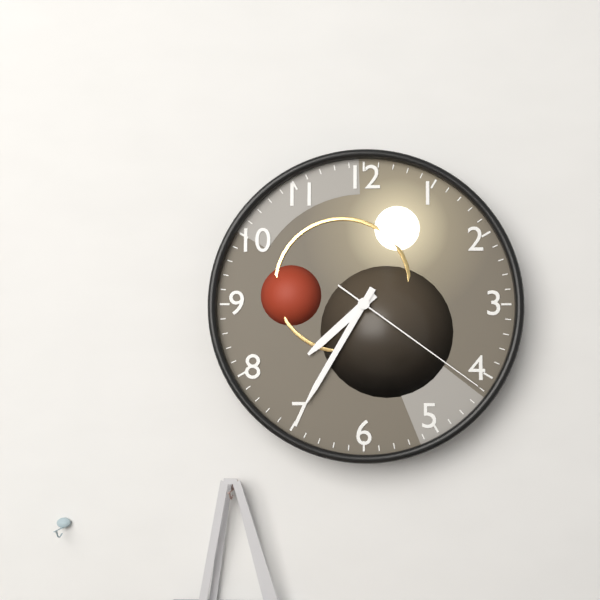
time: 7:35:21
